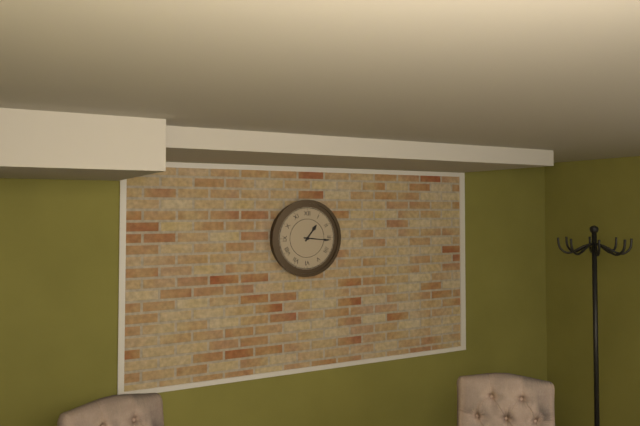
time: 1:16
